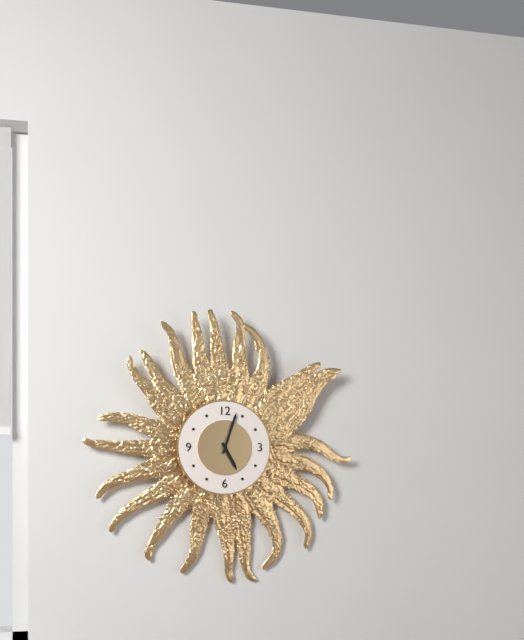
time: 5:03
